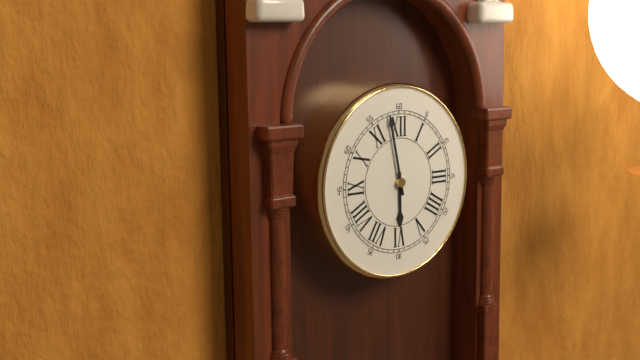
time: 5:58
